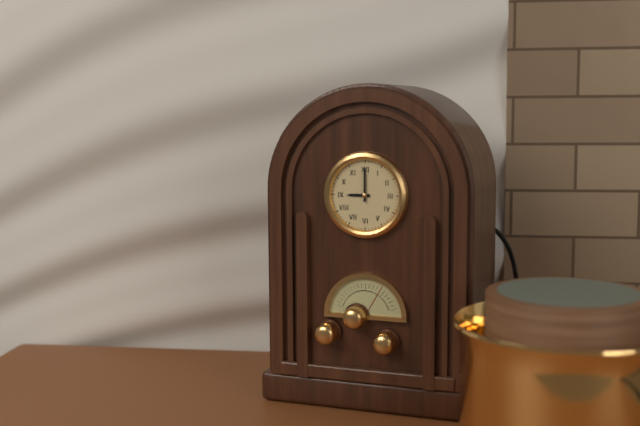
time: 9:00
